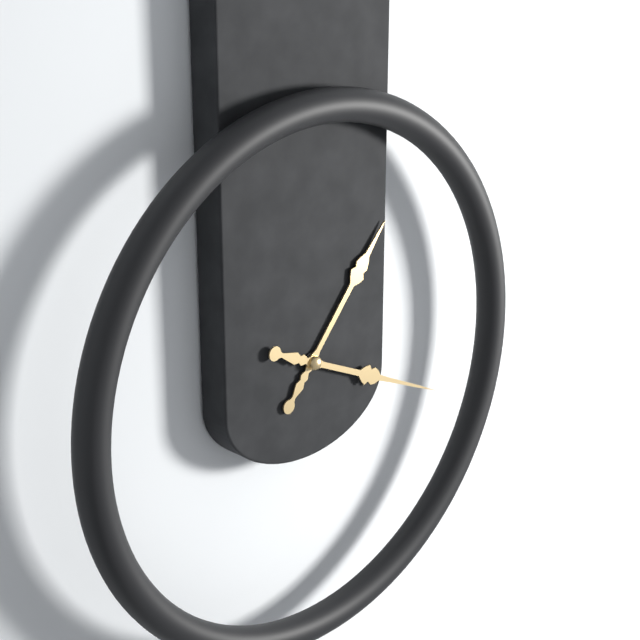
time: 1:19
